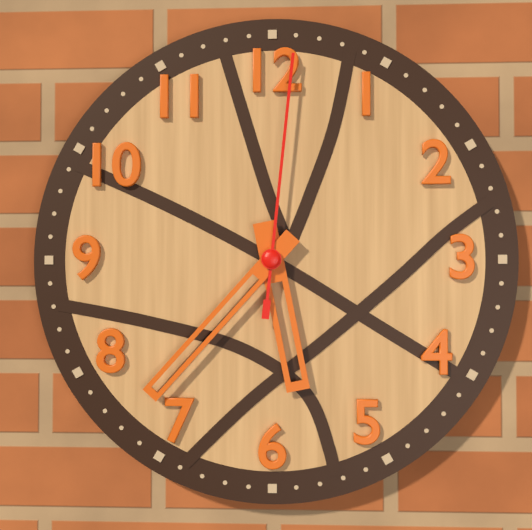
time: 5:37:01
